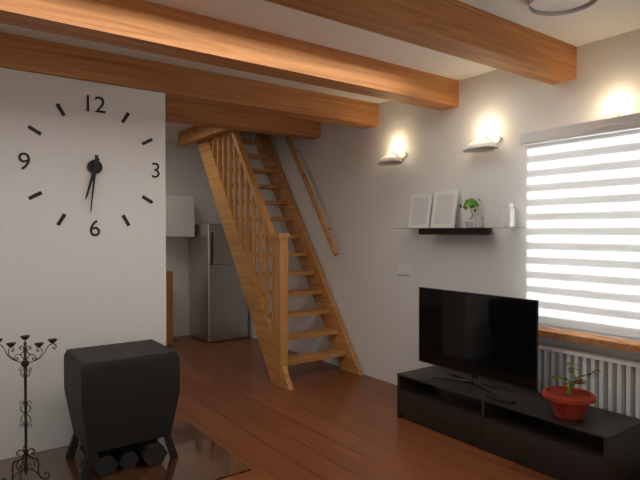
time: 6:31
